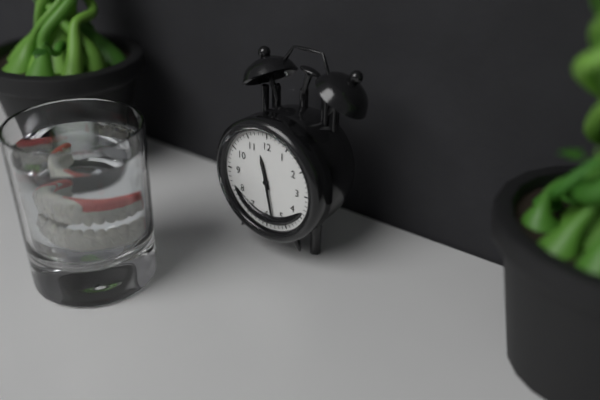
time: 11:28
